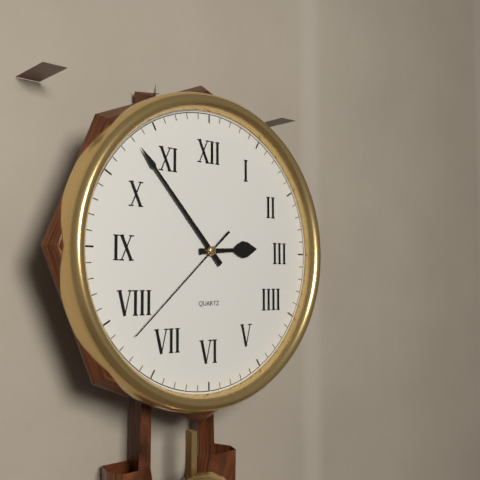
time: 2:53:38
